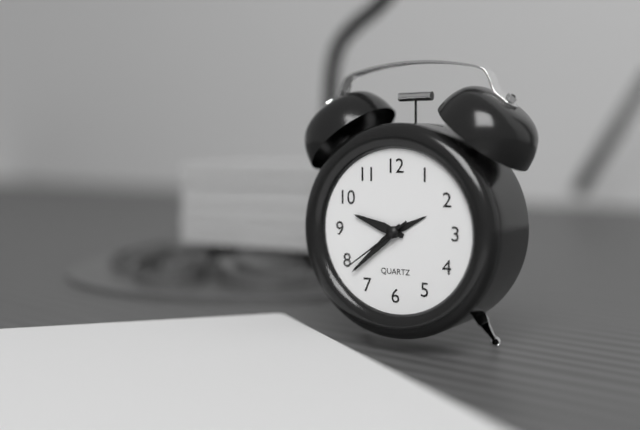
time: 9:38:39
